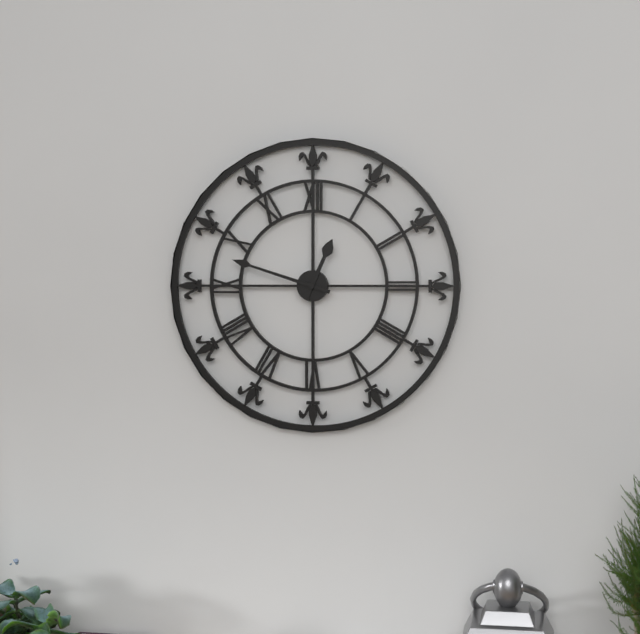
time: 12:48
